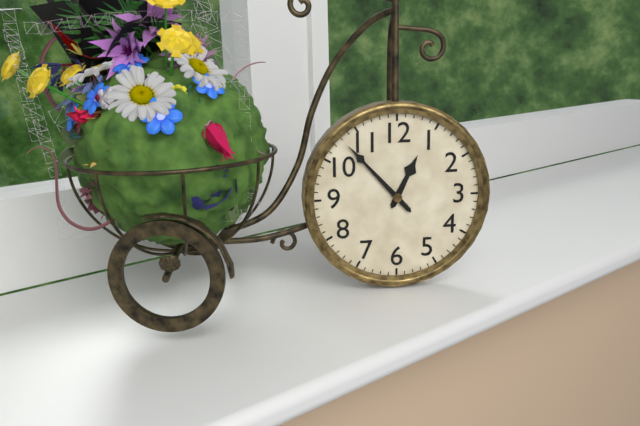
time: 12:53
